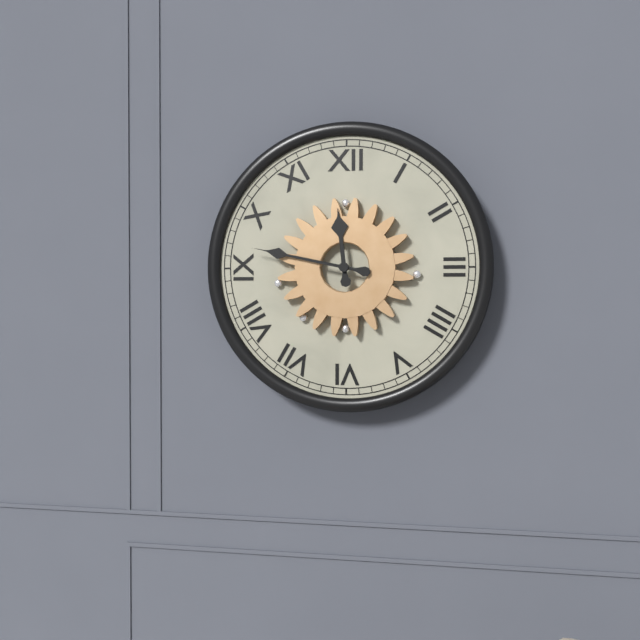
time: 11:47
